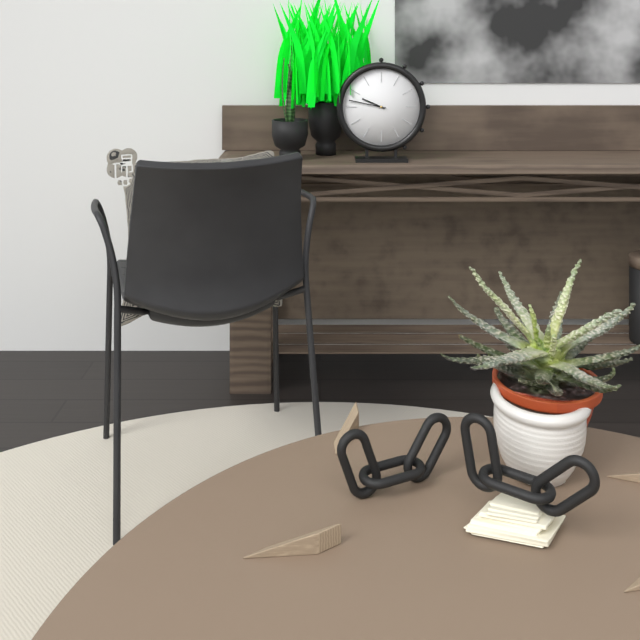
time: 9:47
